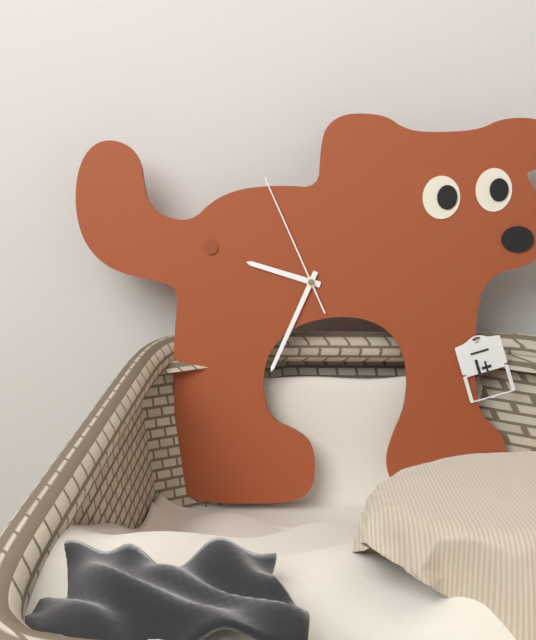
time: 9:34:56
